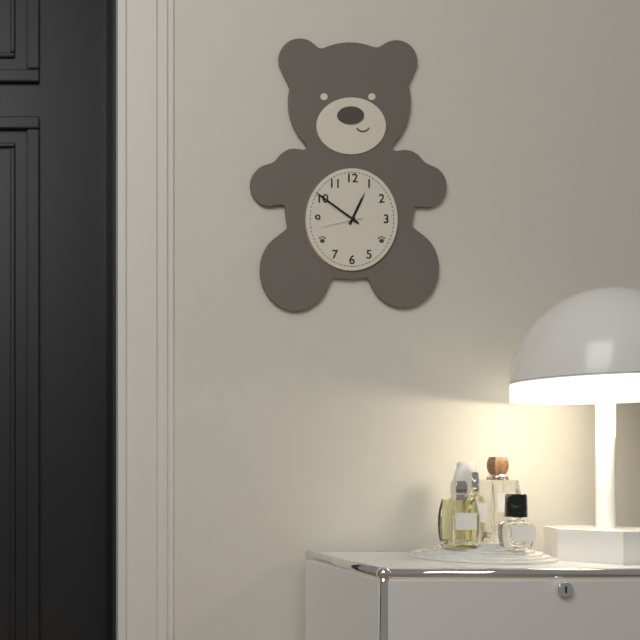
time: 12:51
